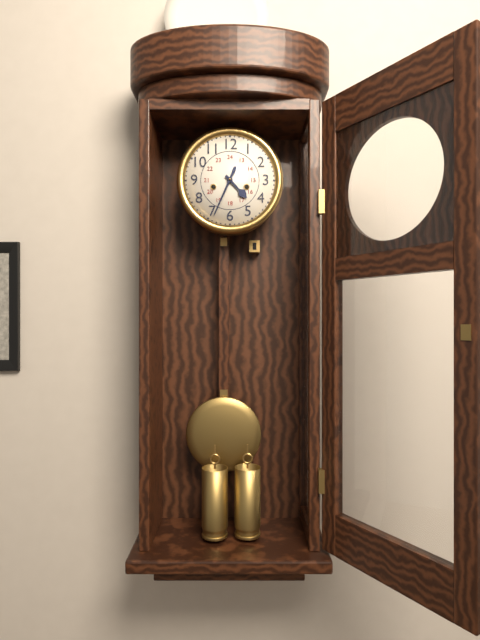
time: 4:34
